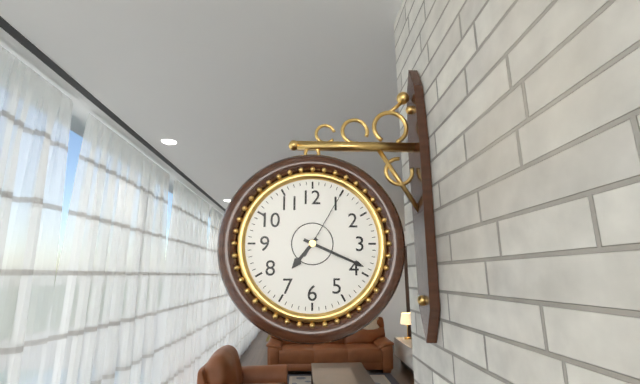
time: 7:19:05
